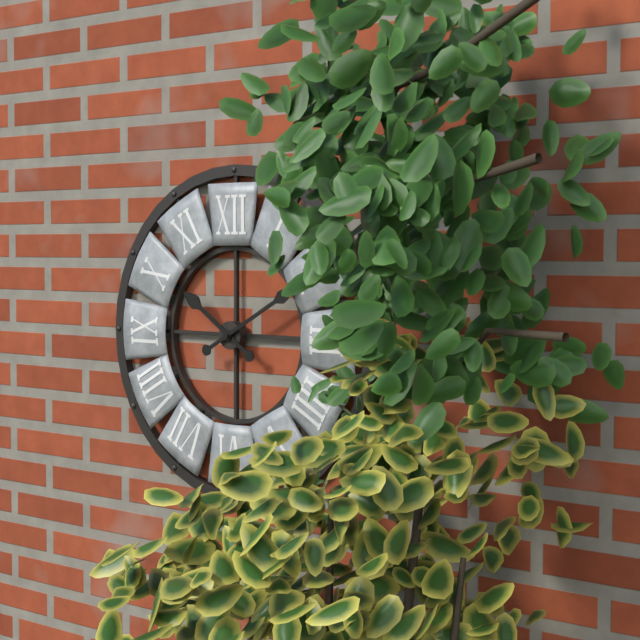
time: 10:10
